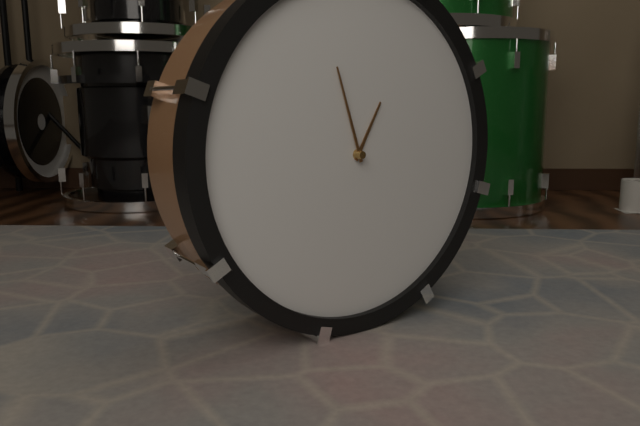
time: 12:57
